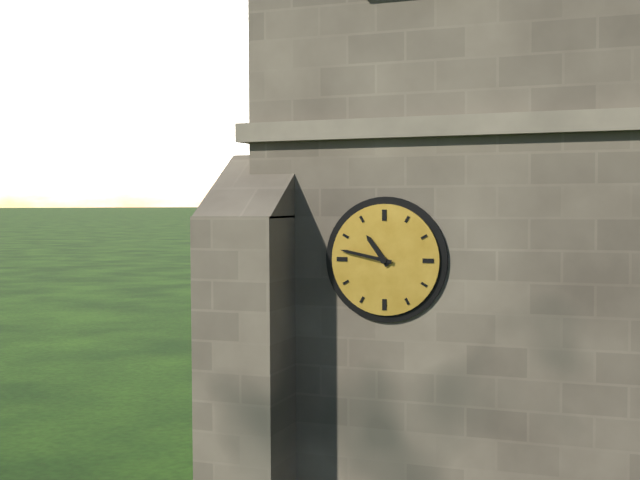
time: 10:47
